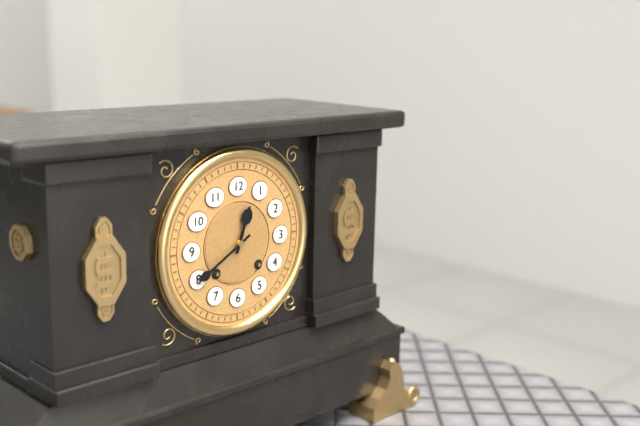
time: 12:40
